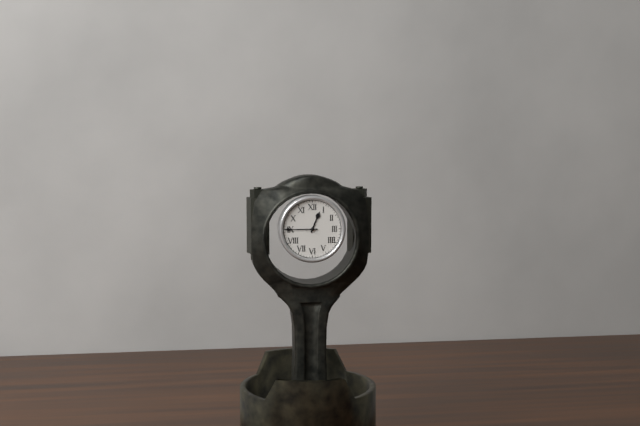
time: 12:45
